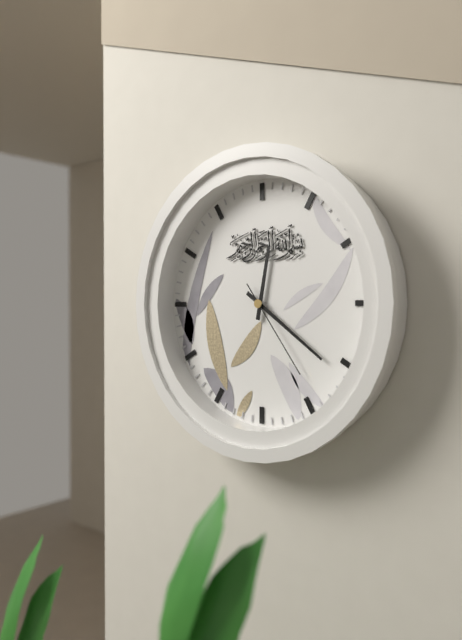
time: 12:21:24
